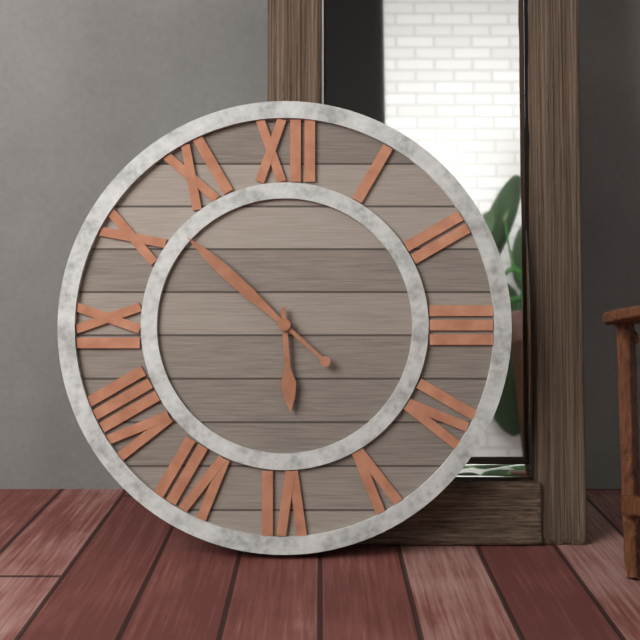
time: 5:52
